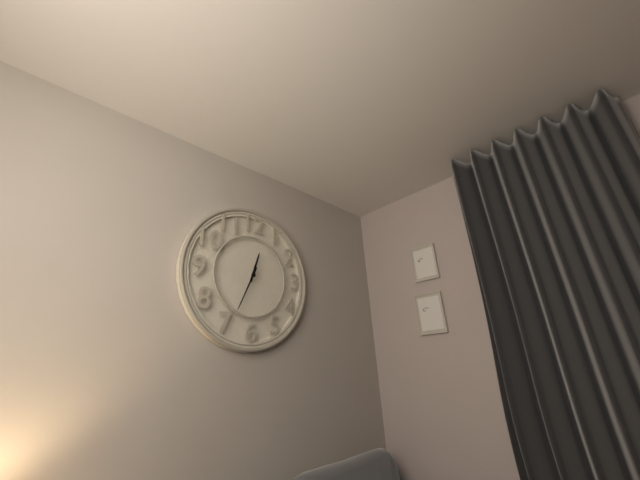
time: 12:34
